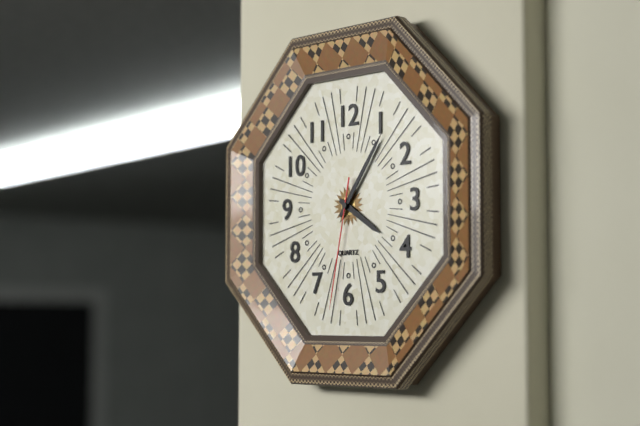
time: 4:06:32
